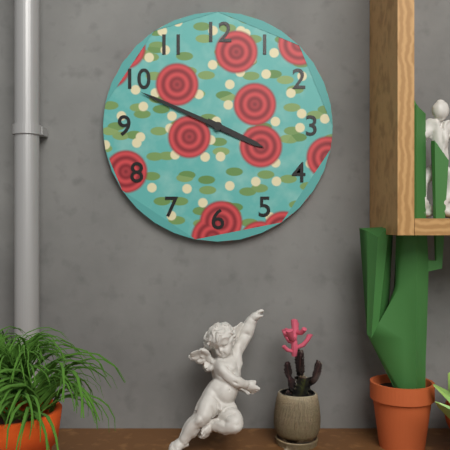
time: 3:49
